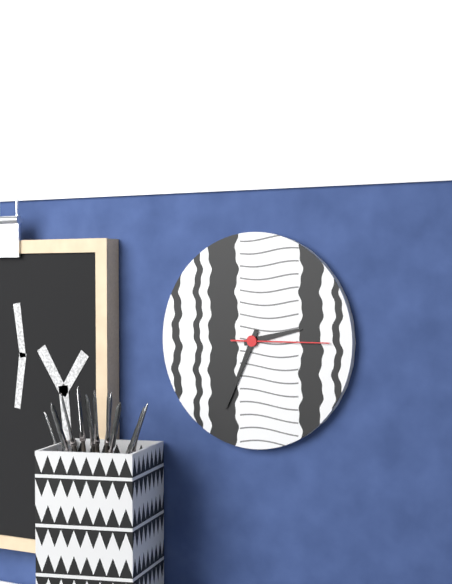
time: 2:34:15
